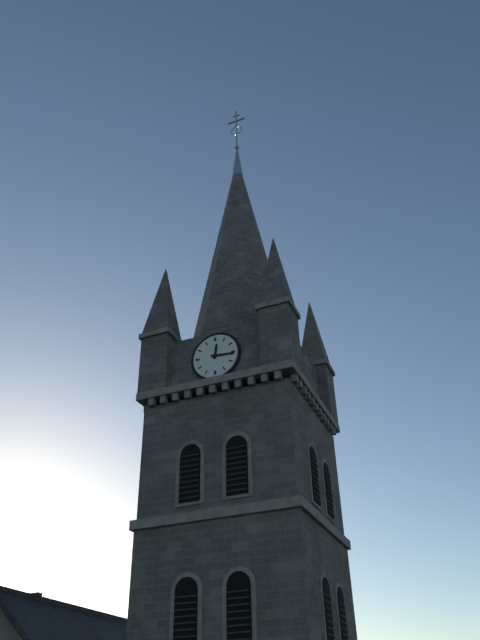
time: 12:16
